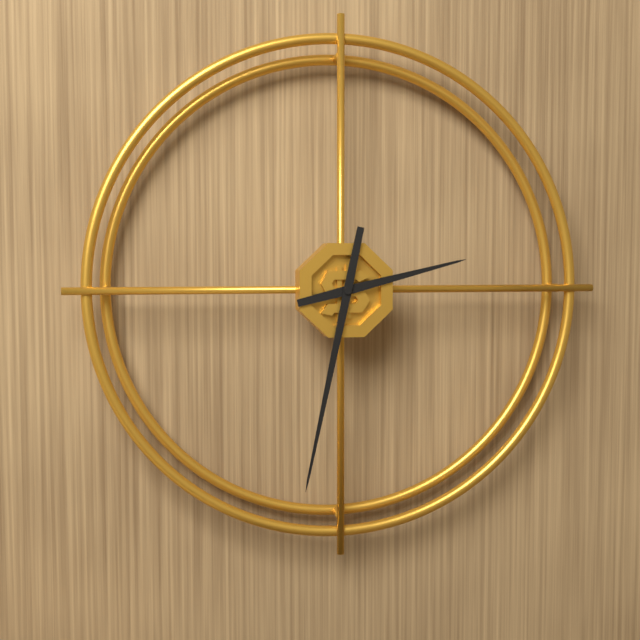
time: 2:32
